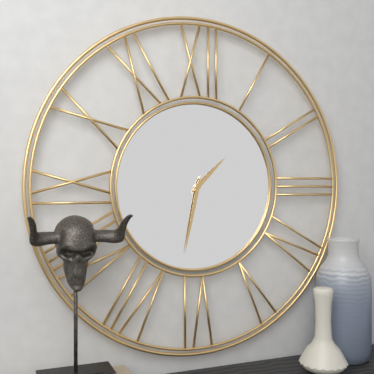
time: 1:32
